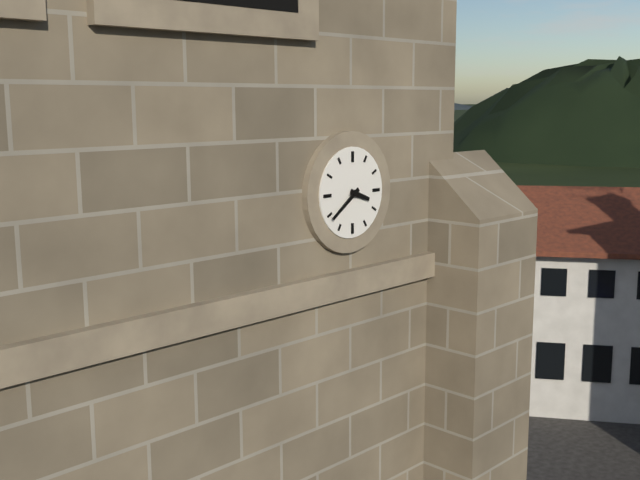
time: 3:39
